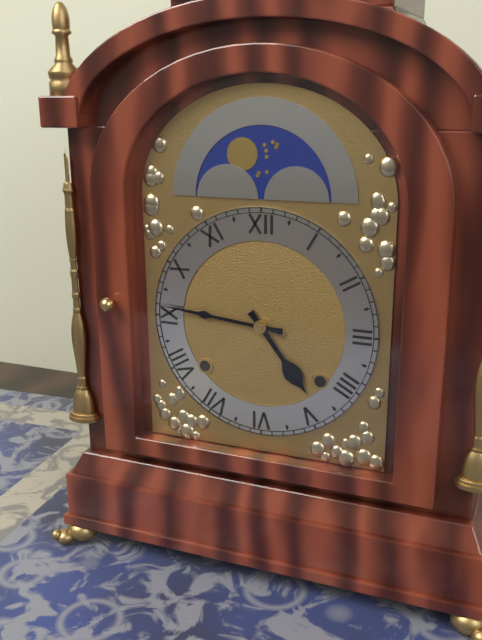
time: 4:46
